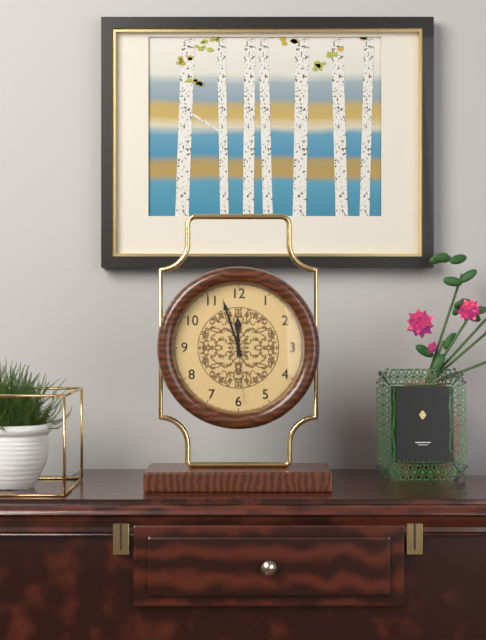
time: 11:57:29
